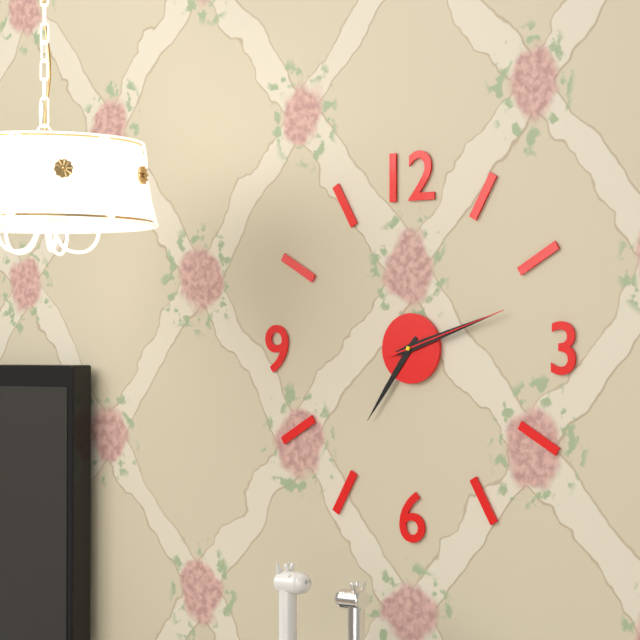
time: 7:12:12
